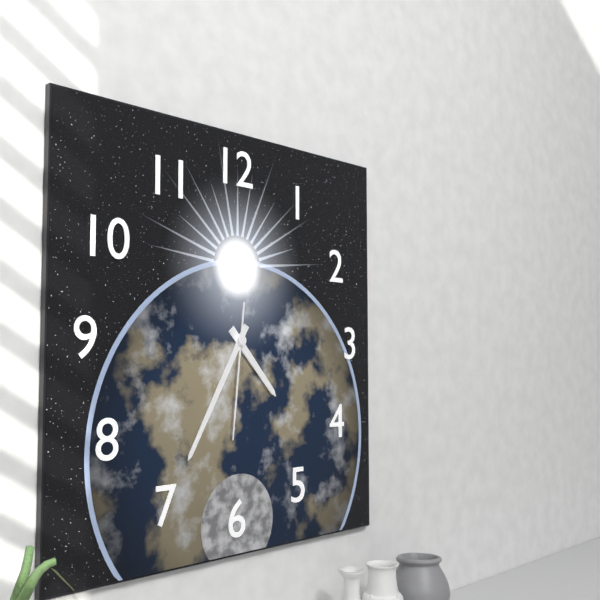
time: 4:35:31
